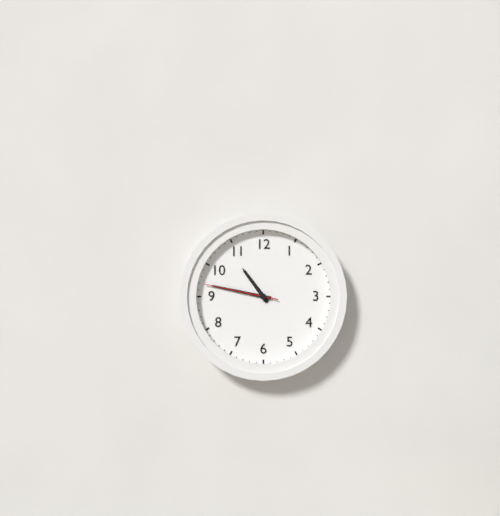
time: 10:47:47
